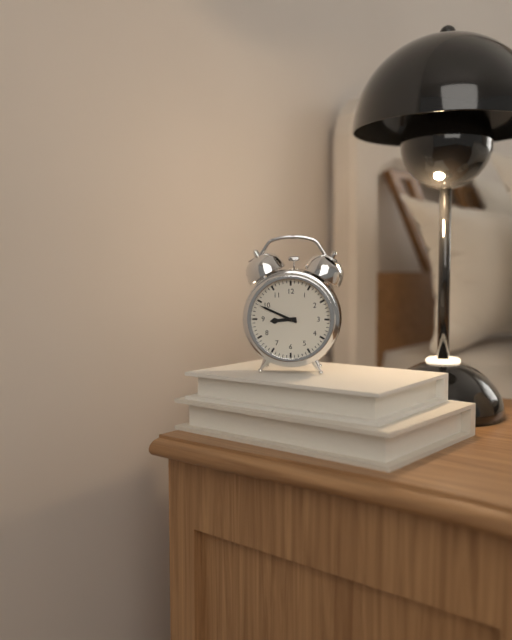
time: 8:49
